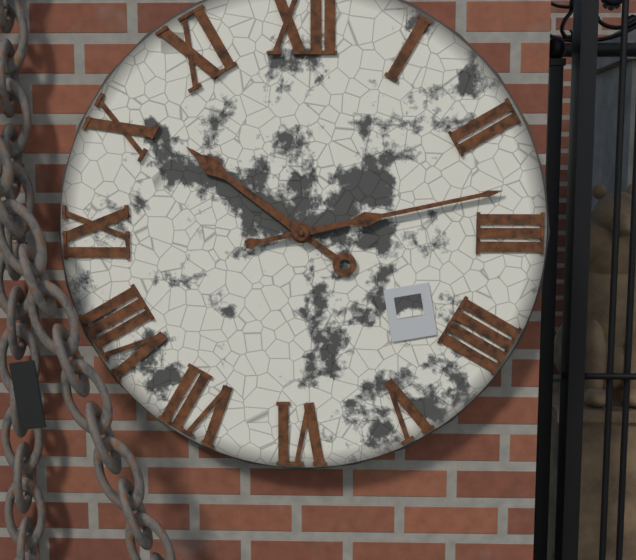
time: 10:13
